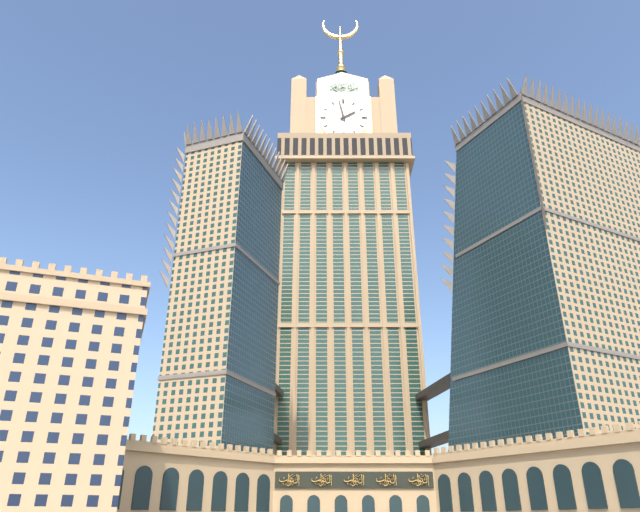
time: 1:58
